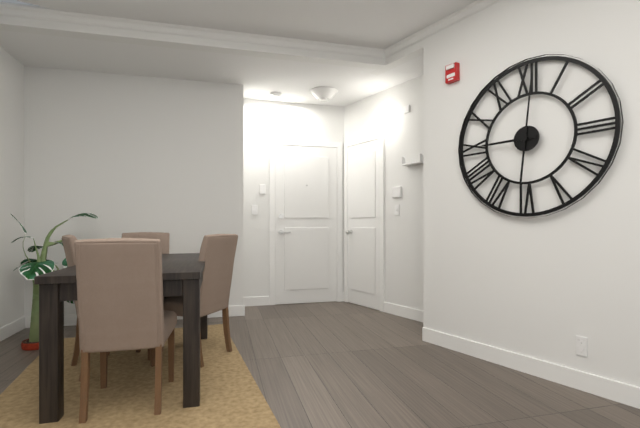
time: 9:01
